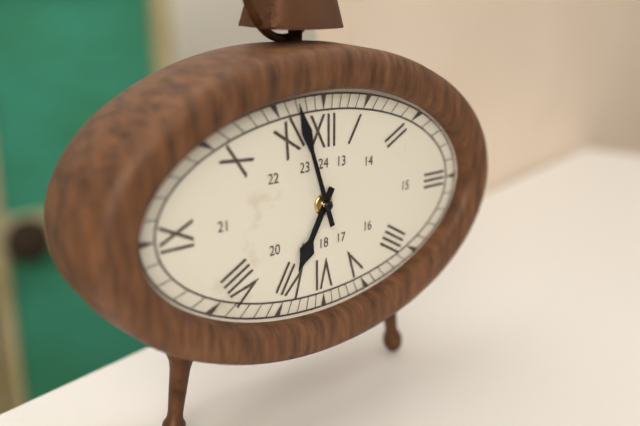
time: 6:57
